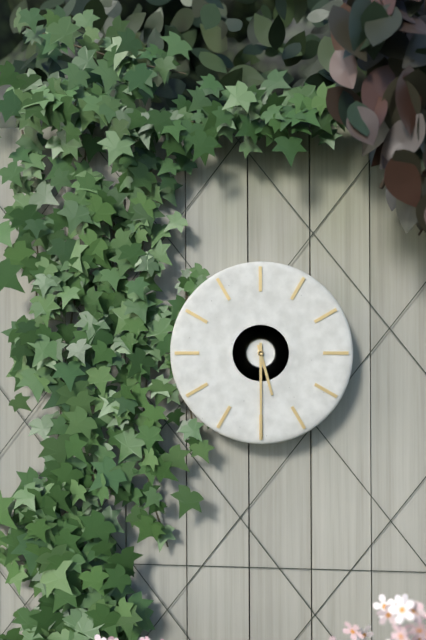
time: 5:30
